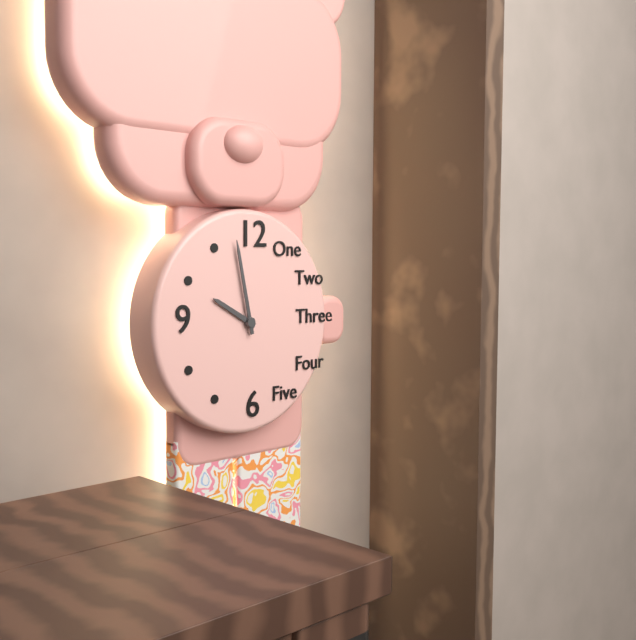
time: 9:58
